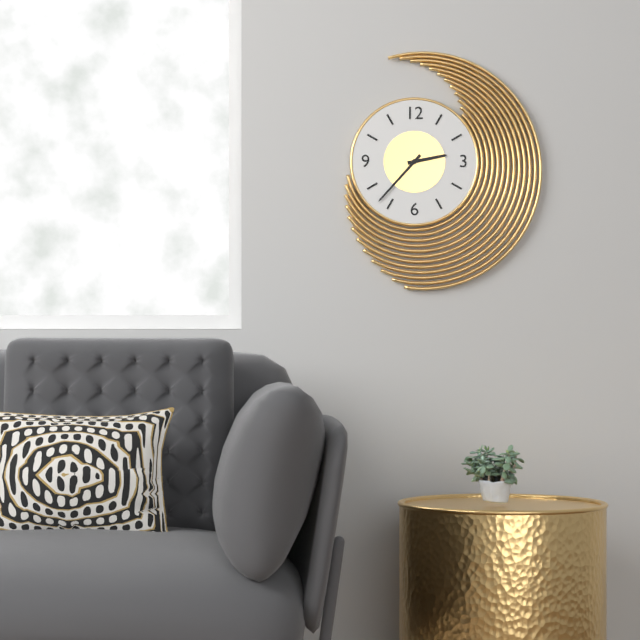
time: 2:37
